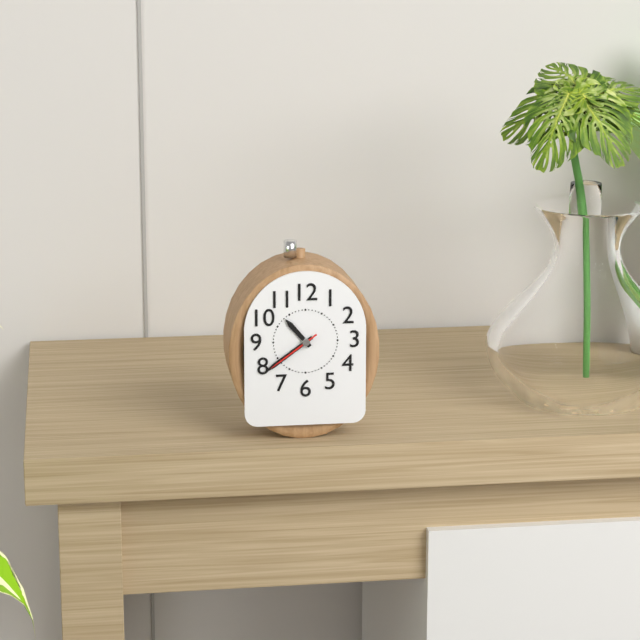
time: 10:39:39
